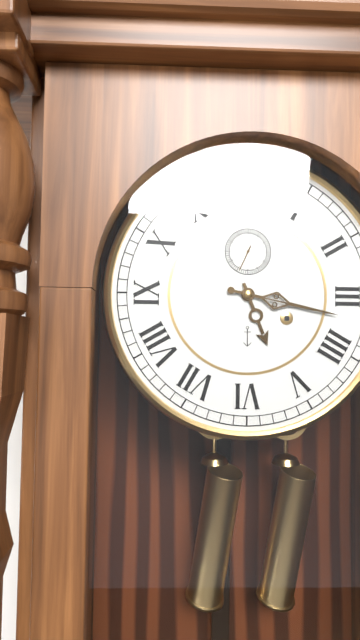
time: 5:17
